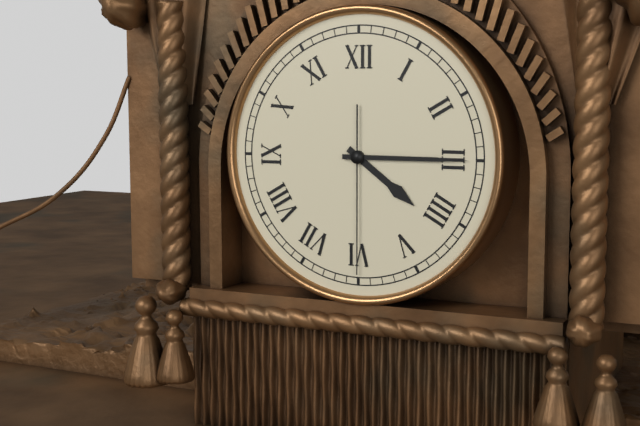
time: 4:15:30
